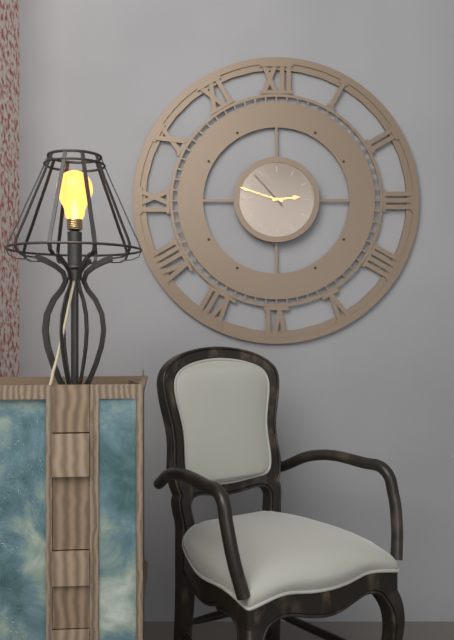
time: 2:48
